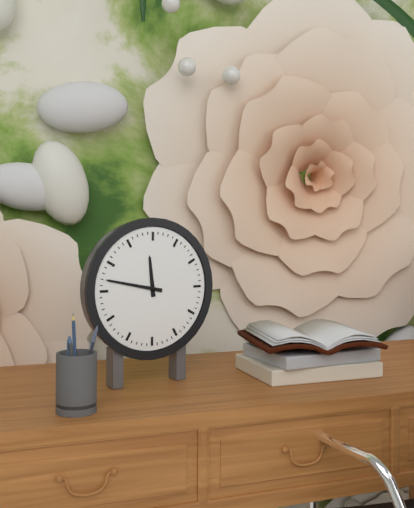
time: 11:47
